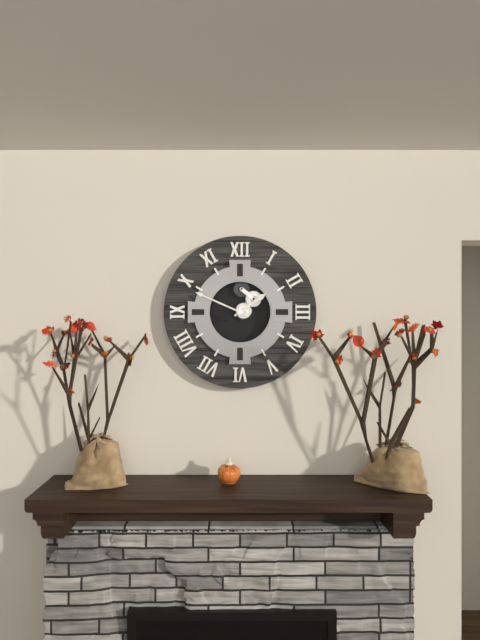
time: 1:49
